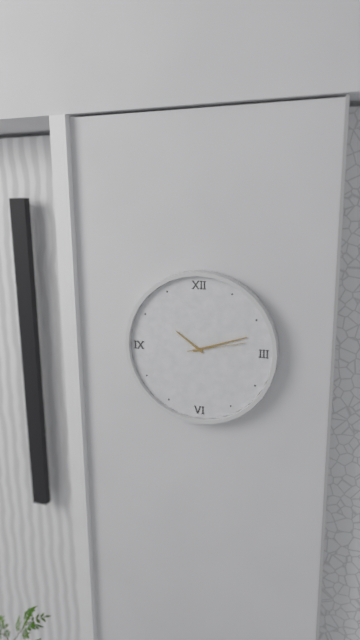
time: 10:12:13
